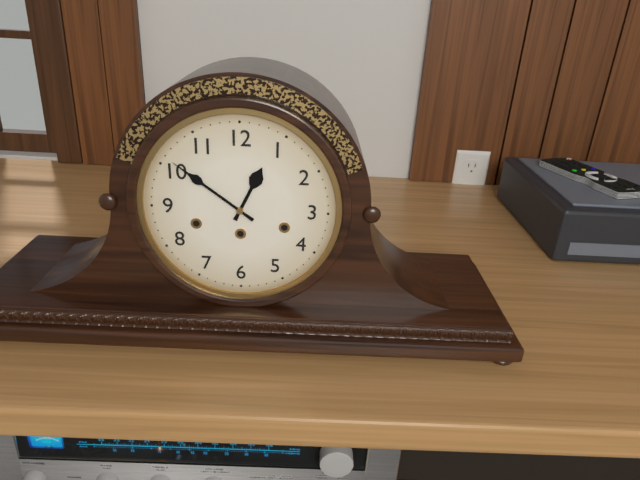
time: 12:51
